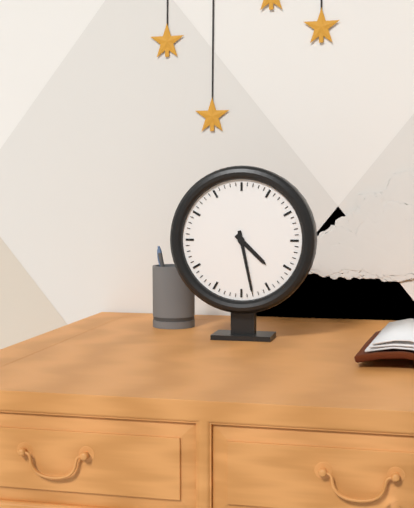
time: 4:28
